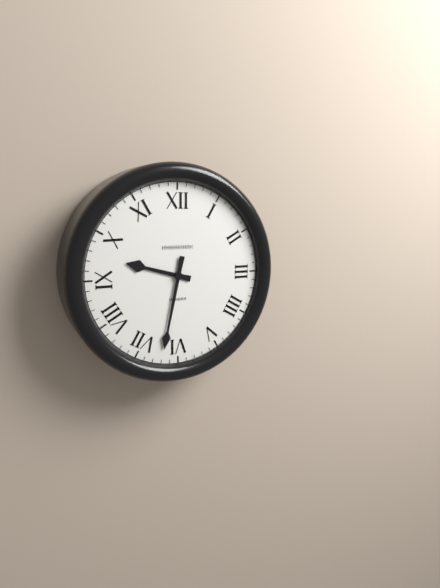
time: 9:32
